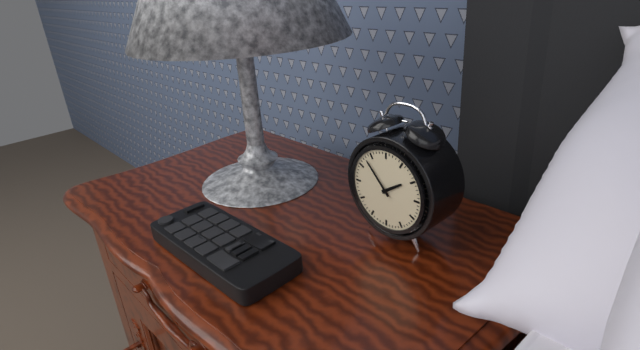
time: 1:53
